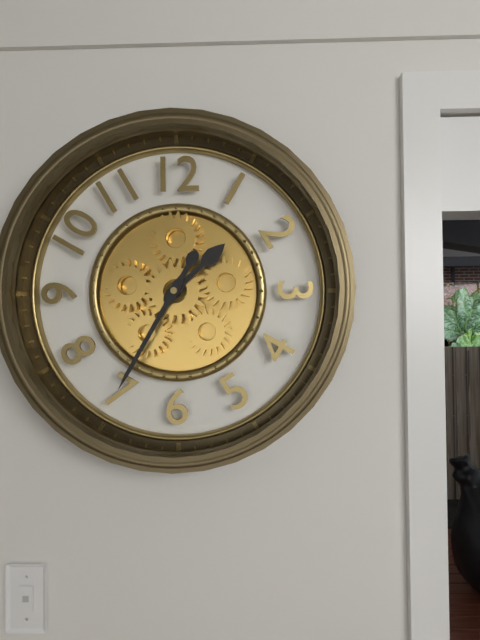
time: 1:35
